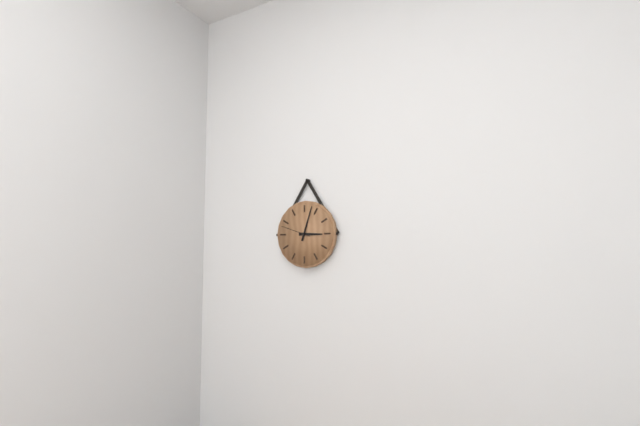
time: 3:03
